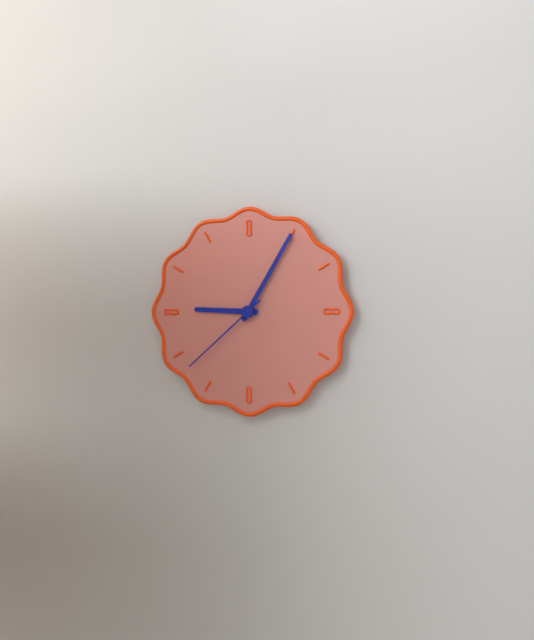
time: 9:05:38
